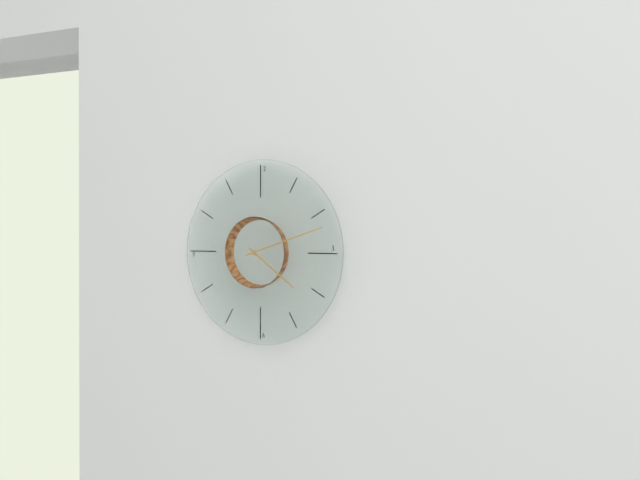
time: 4:12
